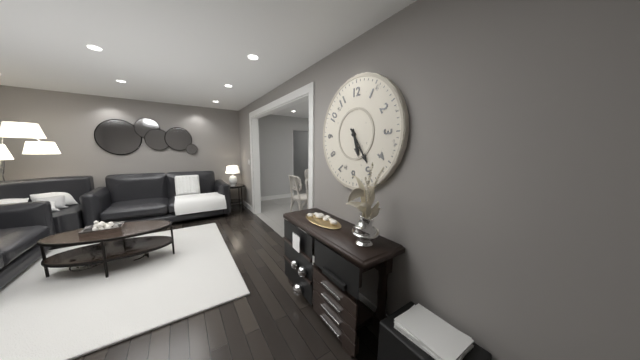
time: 5:24
